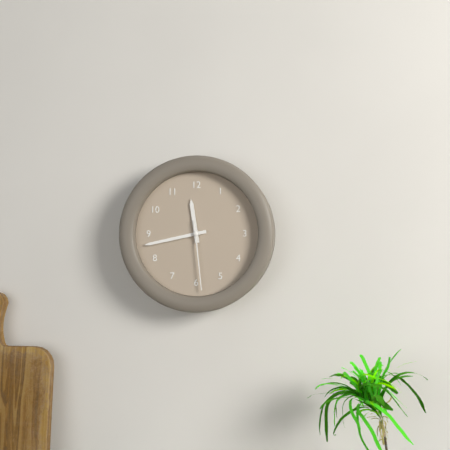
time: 11:43:29
